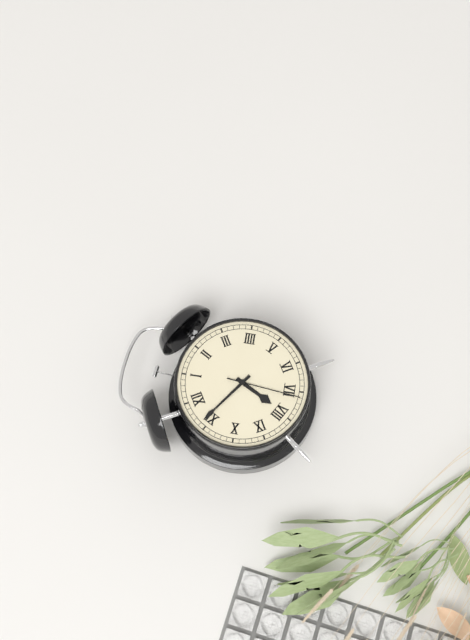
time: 7:56:36
